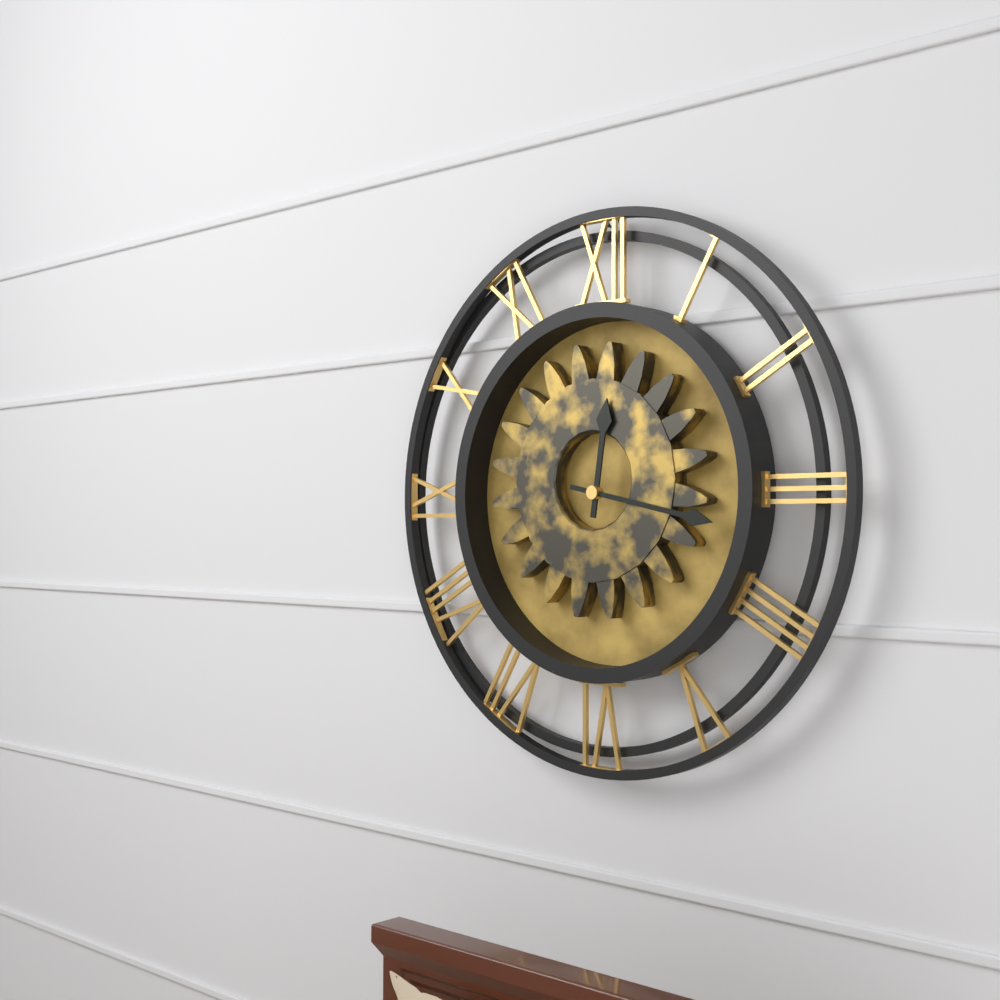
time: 12:17
